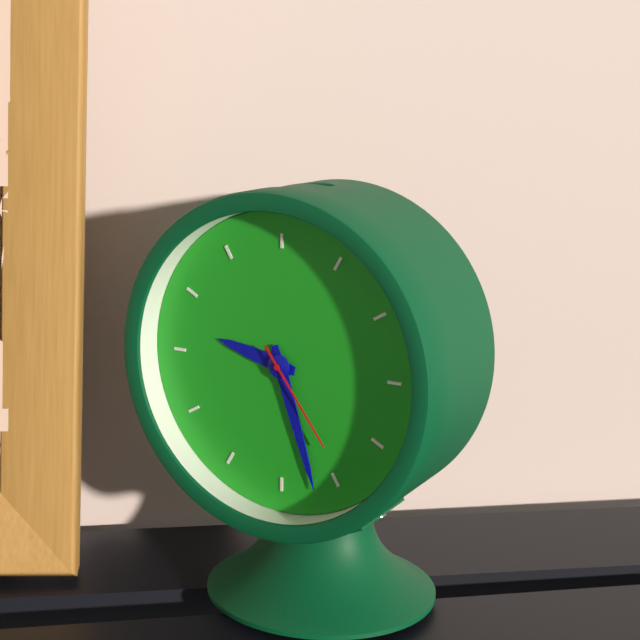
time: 9:27:24
